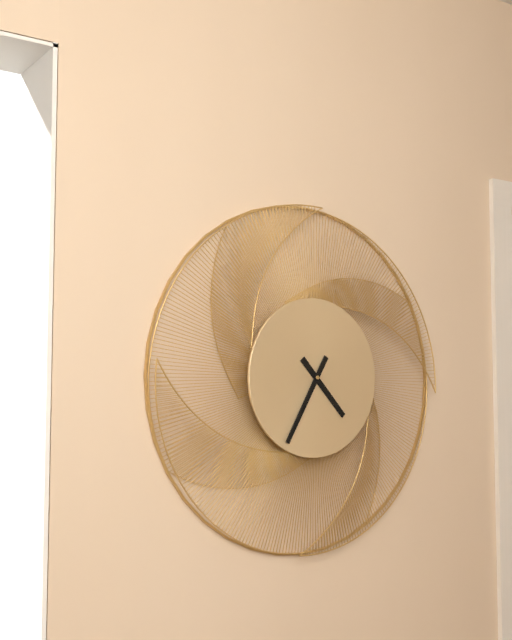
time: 4:35
